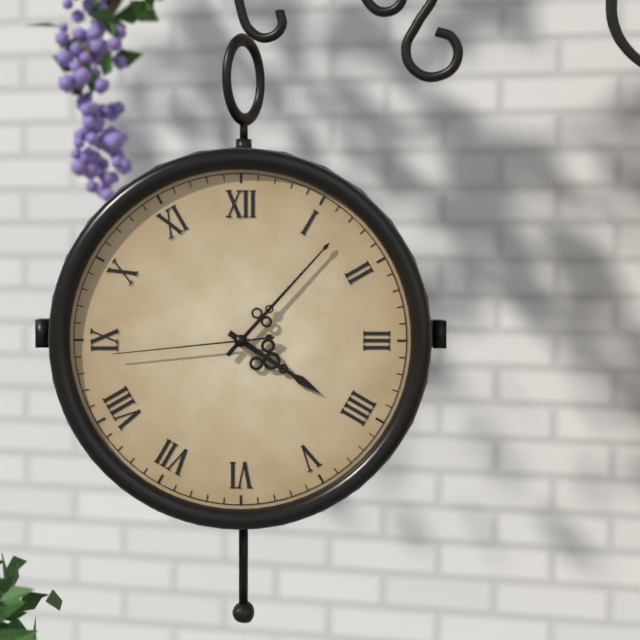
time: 4:07:44
